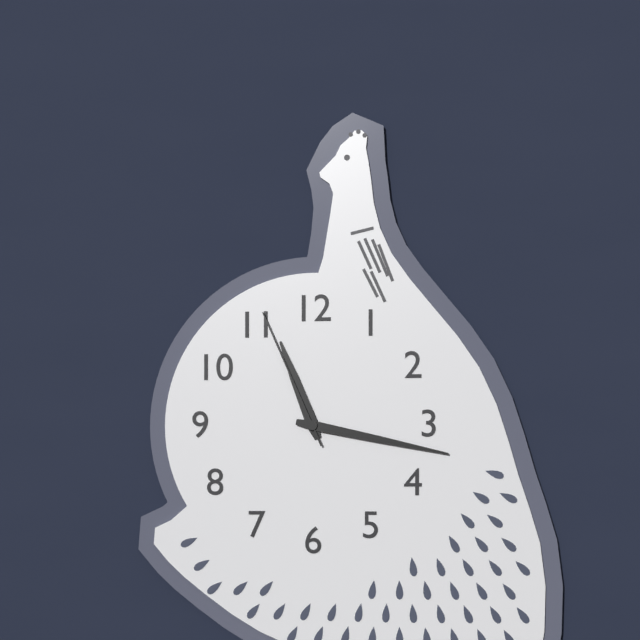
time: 11:17:56
